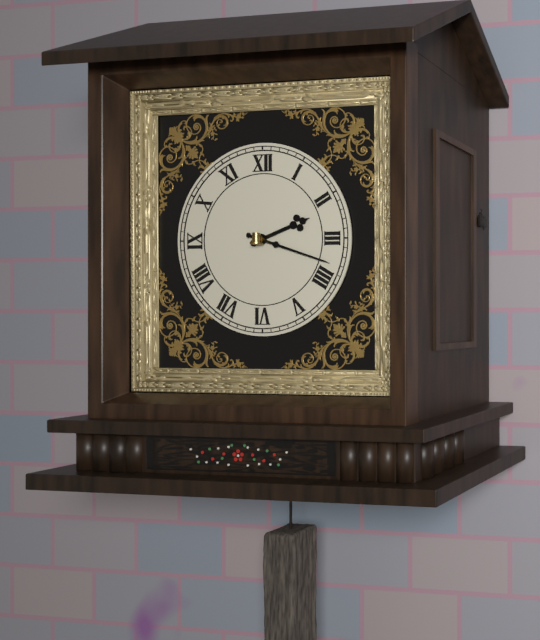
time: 2:18
